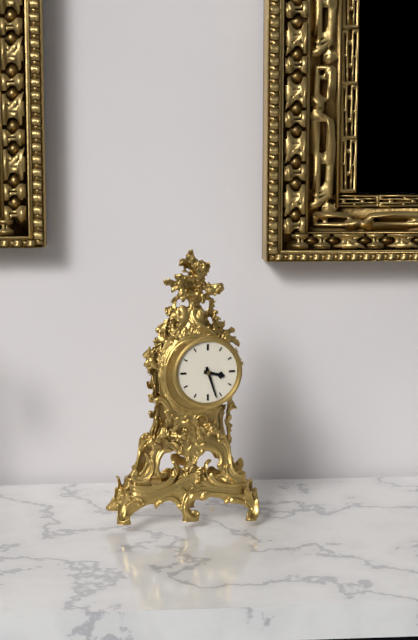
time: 3:27
